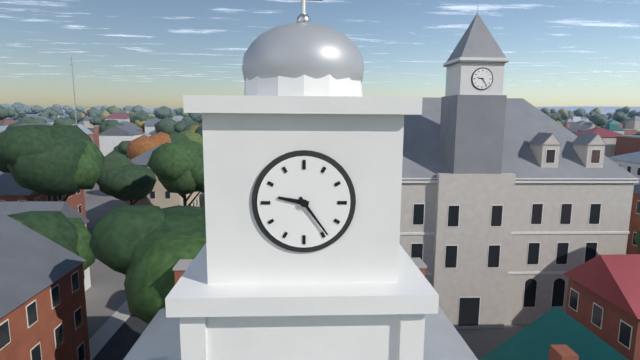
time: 9:24
